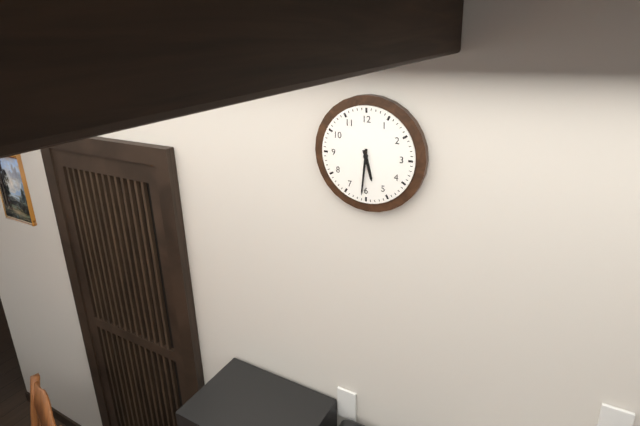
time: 5:31
